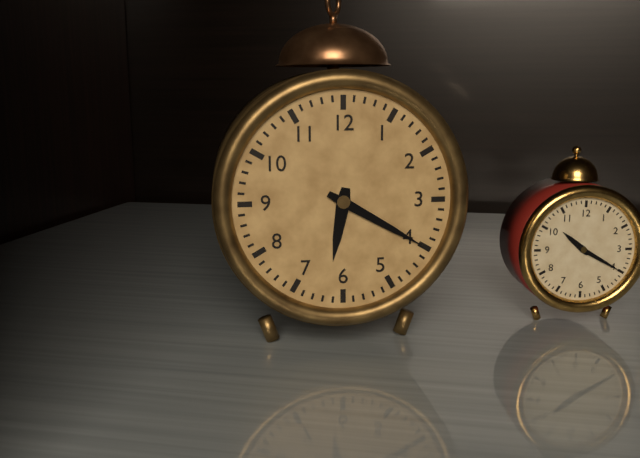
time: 6:20
